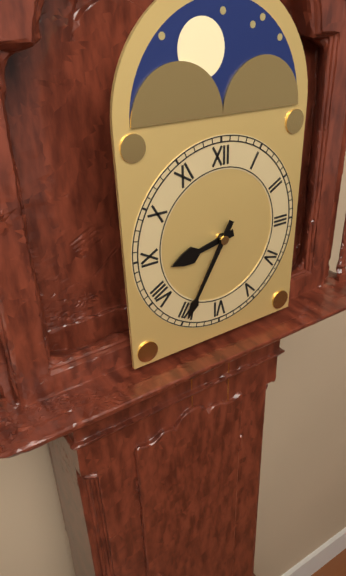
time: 8:35
